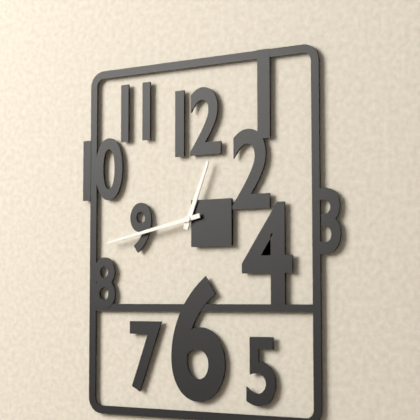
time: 12:43
